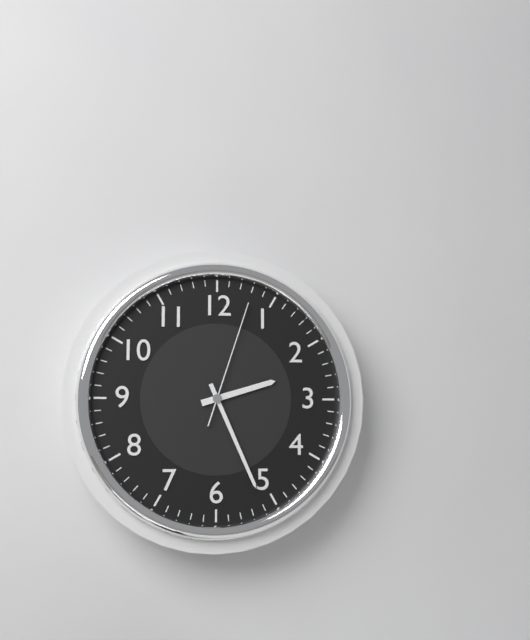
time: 2:26:03
